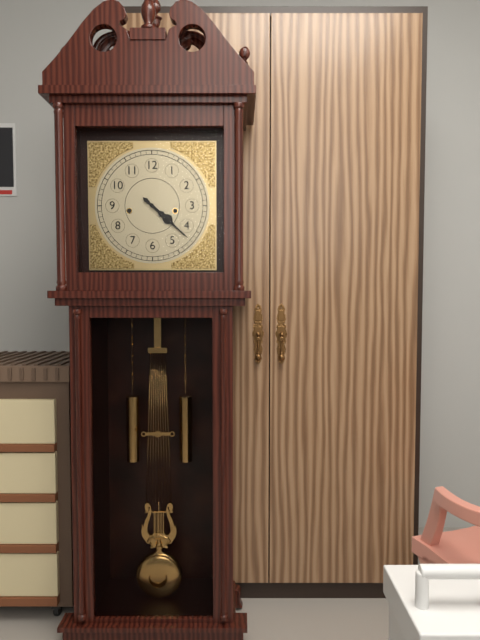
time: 4:22
